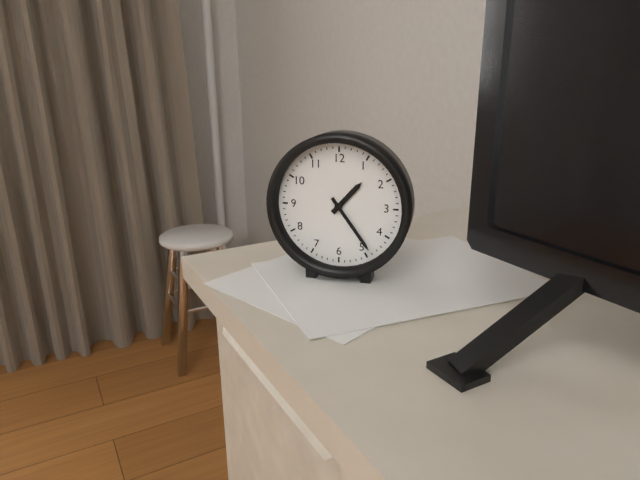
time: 1:24
